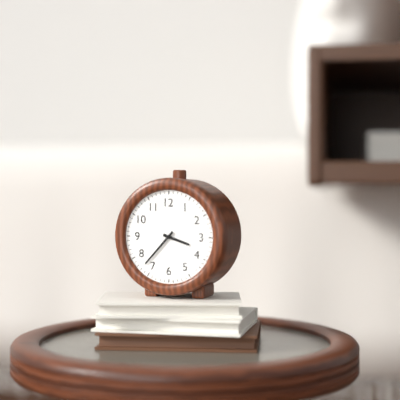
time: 3:37
